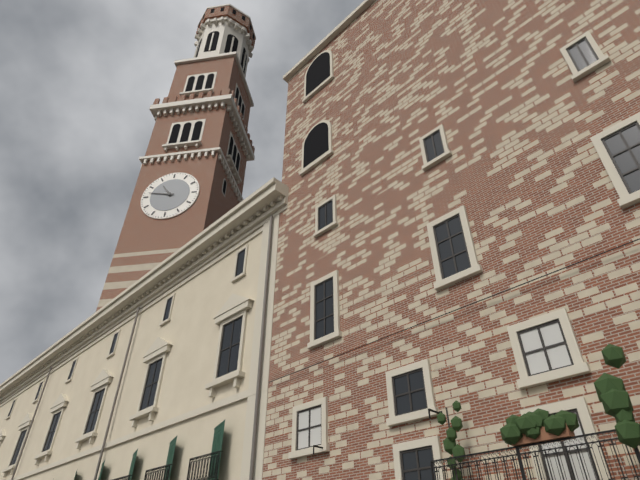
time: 10:47
